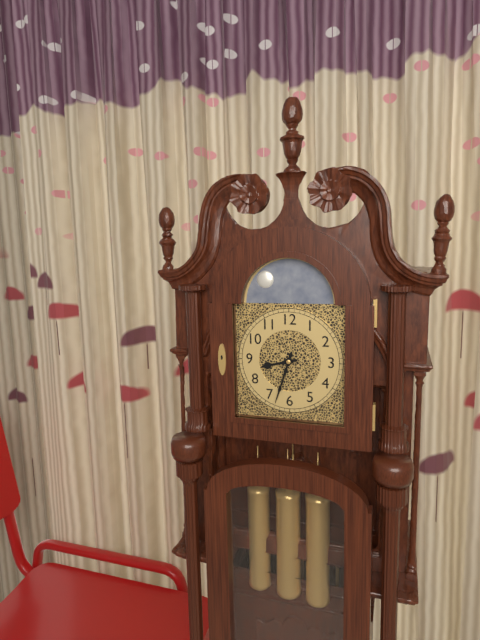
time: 8:33
